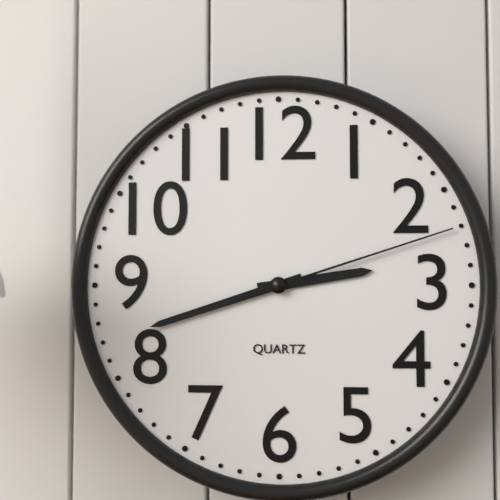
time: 2:42:12
